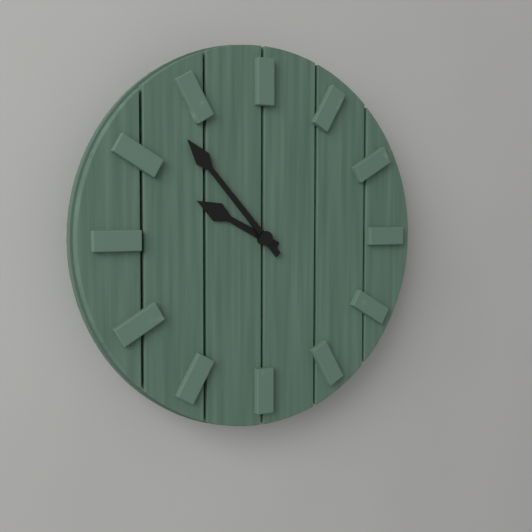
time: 9:53
